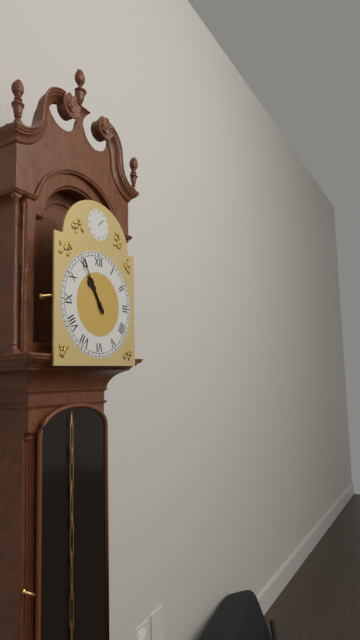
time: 10:55
